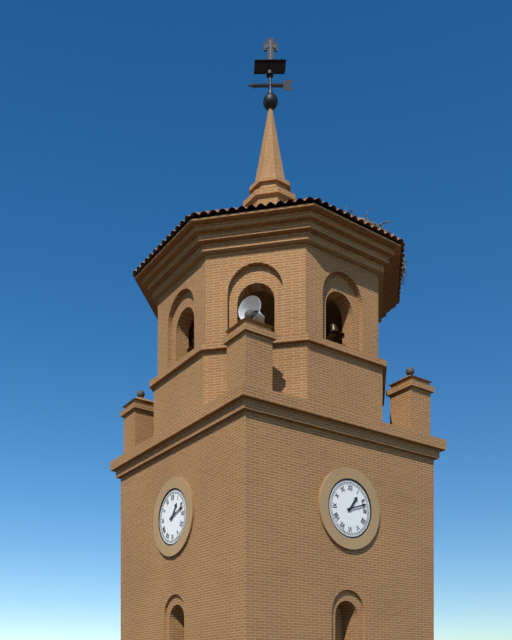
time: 1:12
